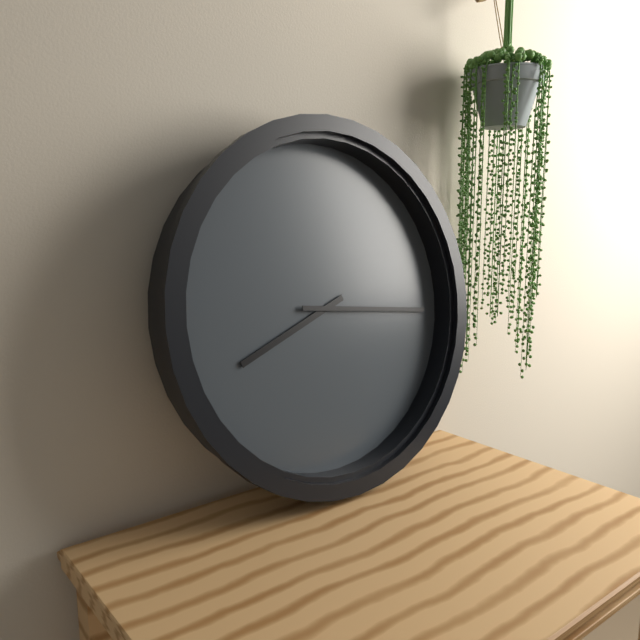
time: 8:16
